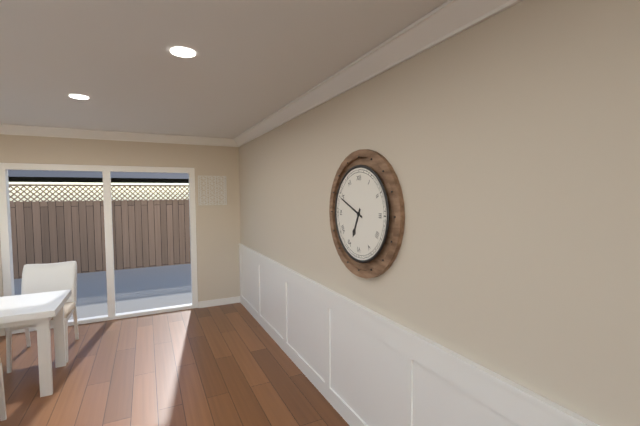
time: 6:49
